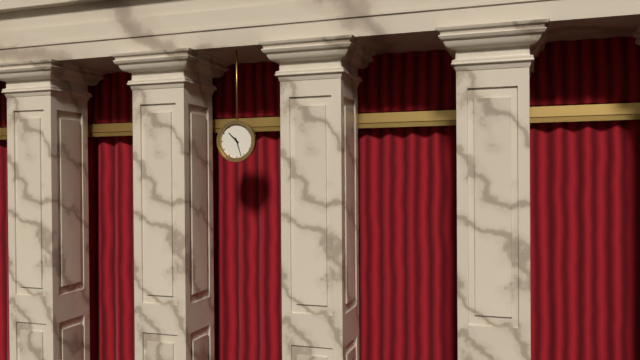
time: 10:27
